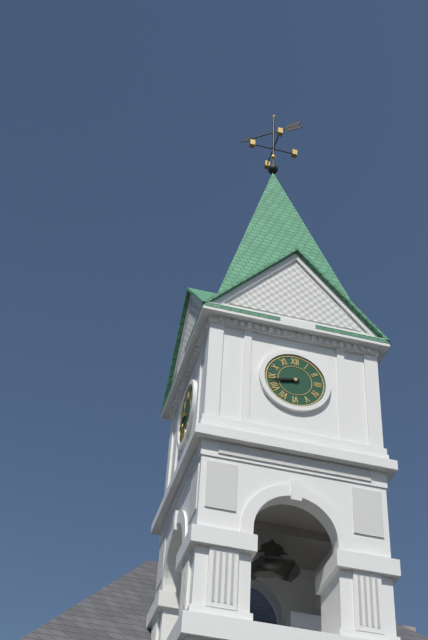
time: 8:43
